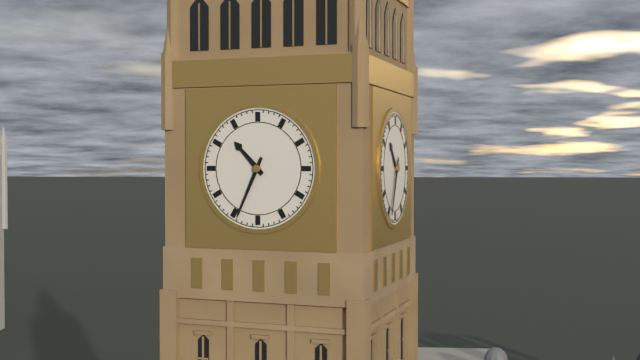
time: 10:34
